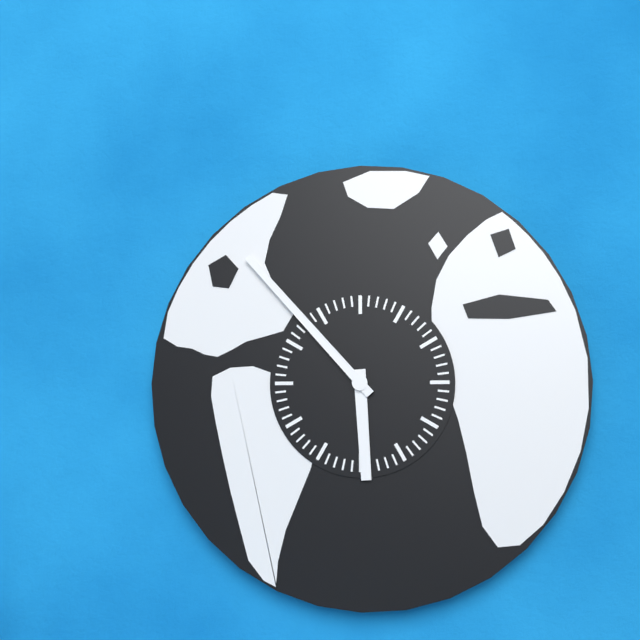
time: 5:53
